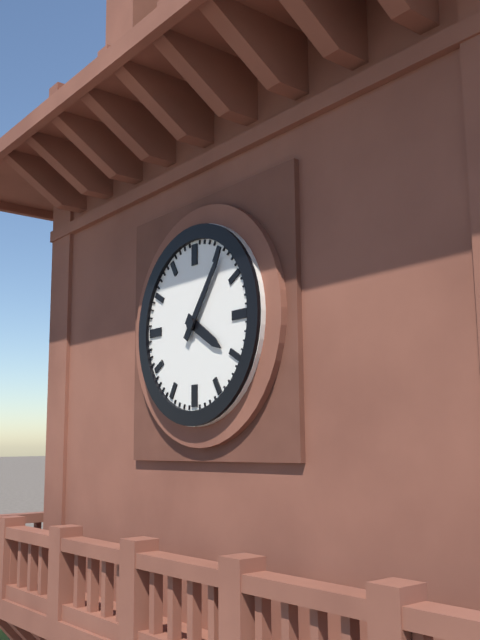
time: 4:06
